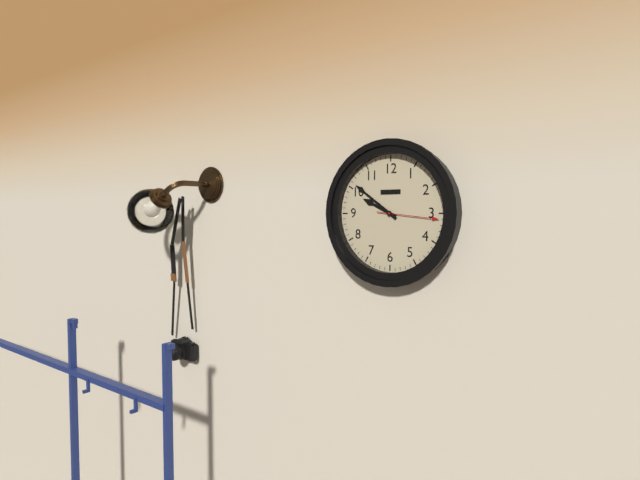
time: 9:51:16
